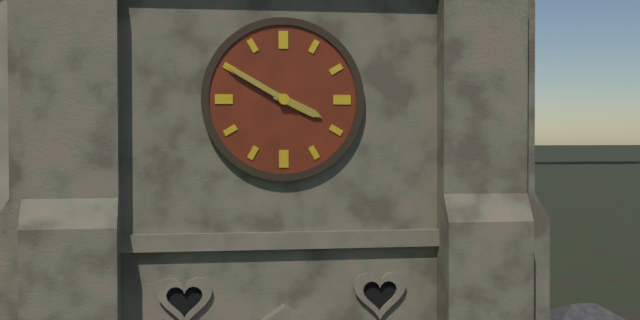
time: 3:50
